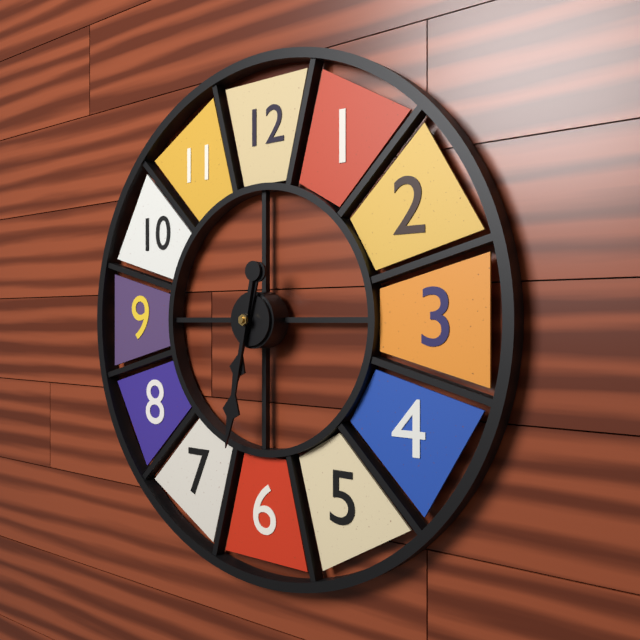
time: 6:32
